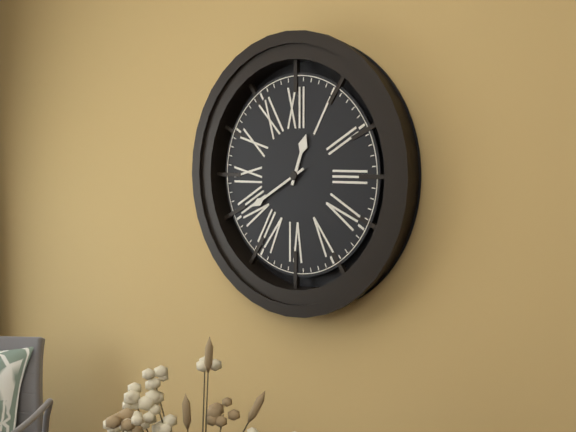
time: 12:40
